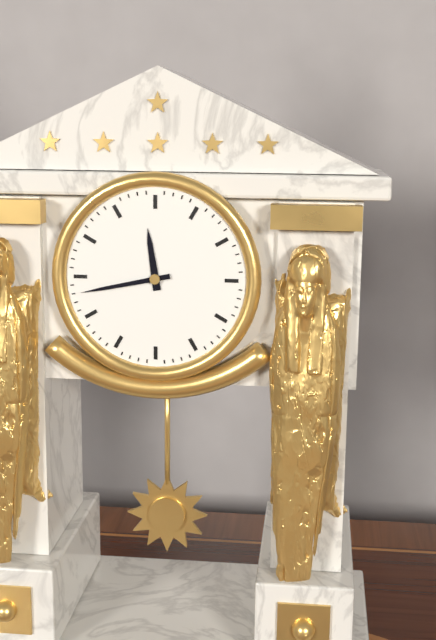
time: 11:43
